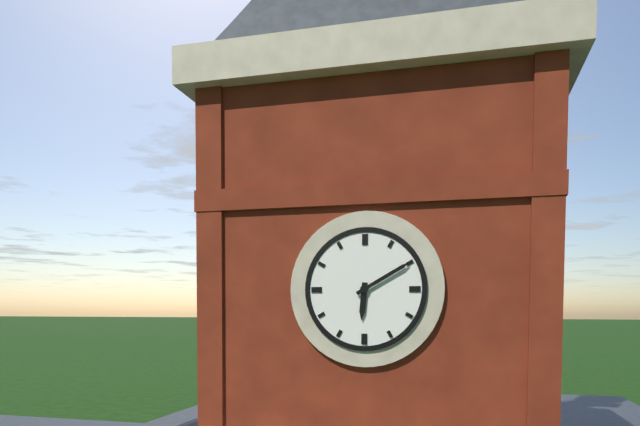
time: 6:10
